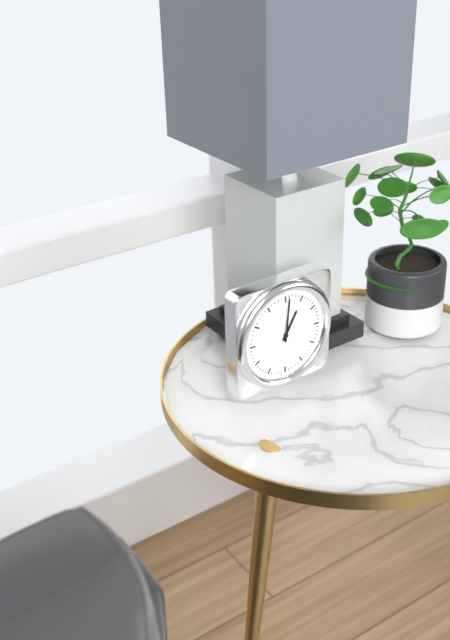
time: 1:01
